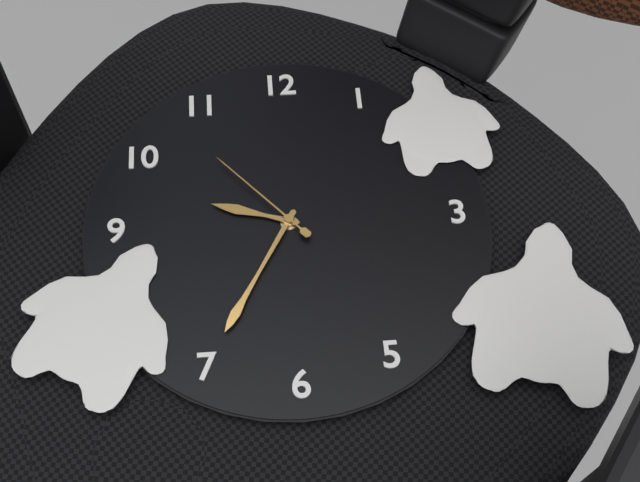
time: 9:35:53
